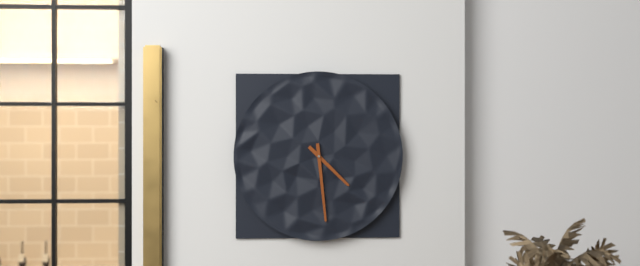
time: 4:29
